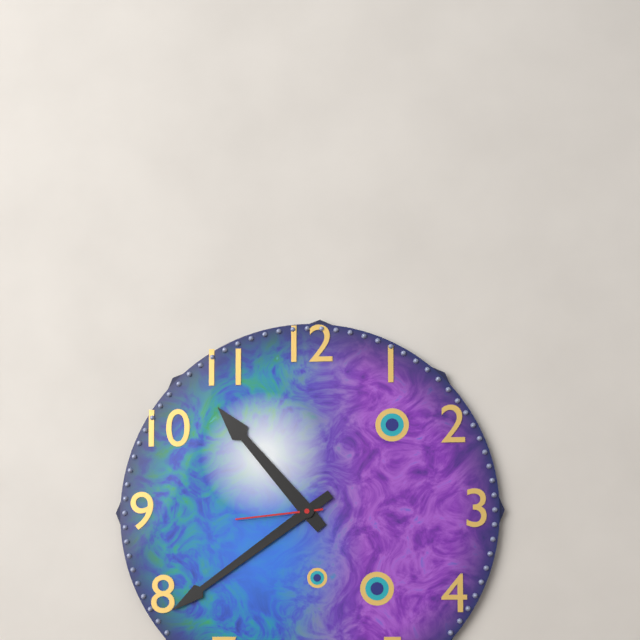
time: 10:39:44
